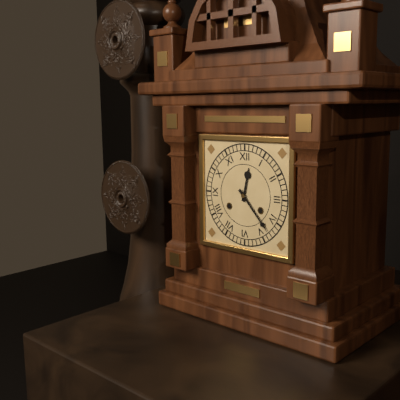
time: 12:23
